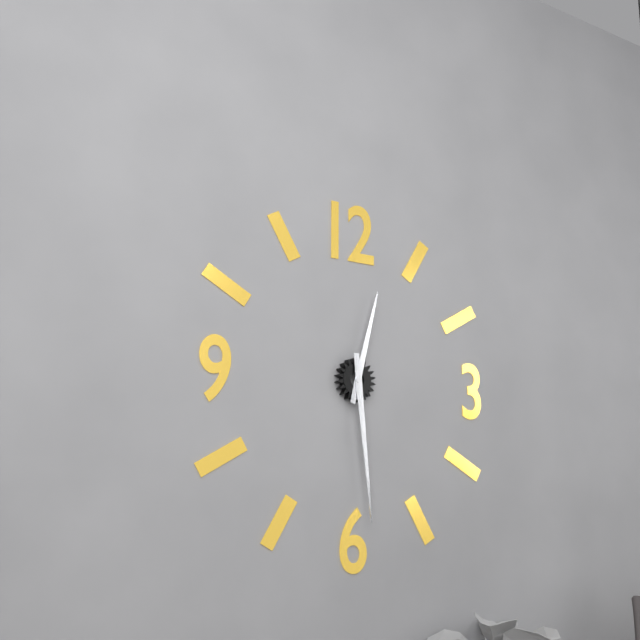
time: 12:29
